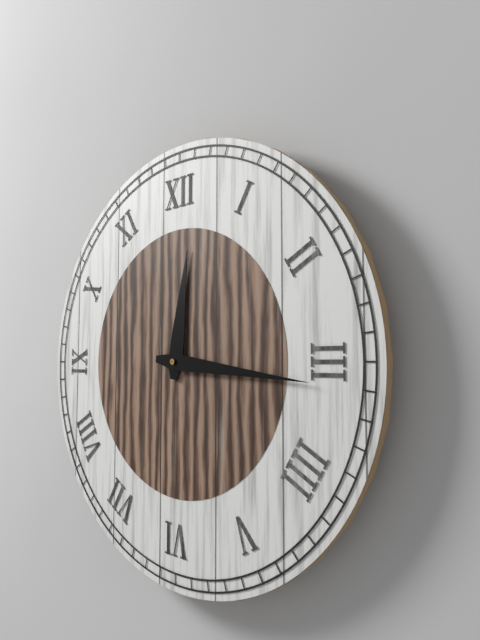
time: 12:16
